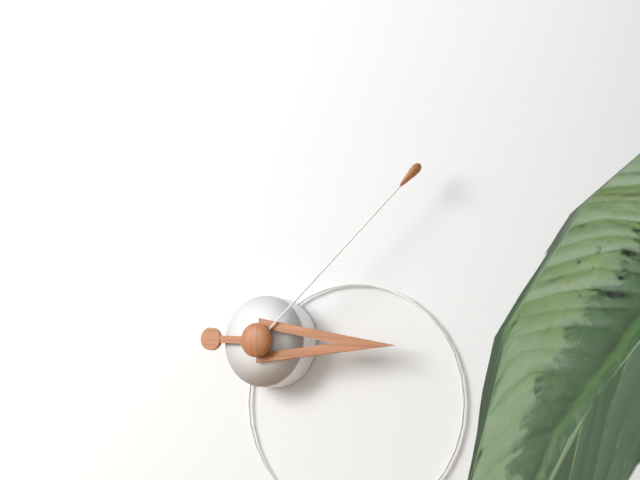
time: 3:08
